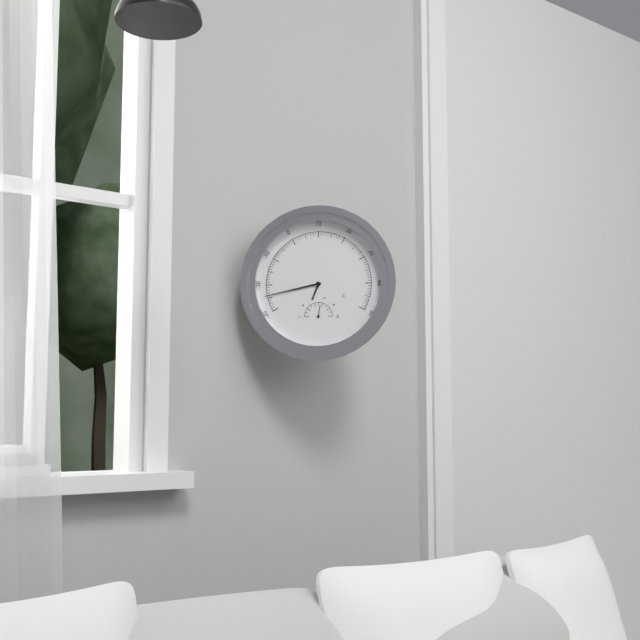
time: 6:43
